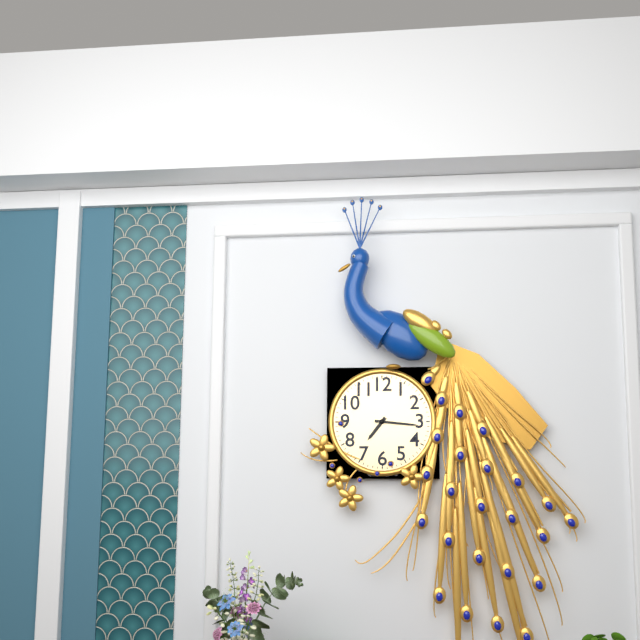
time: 7:16
